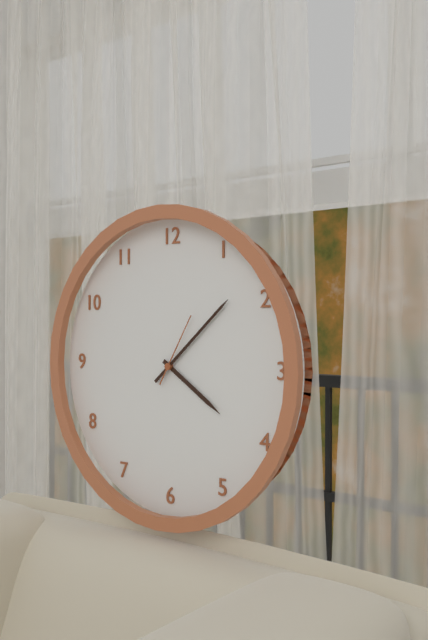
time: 4:08:05
